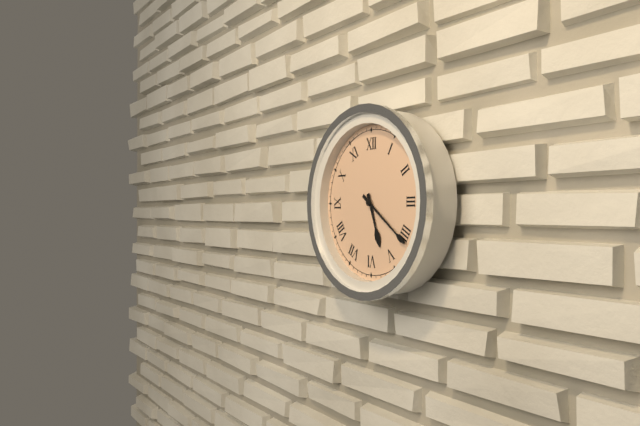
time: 5:21
